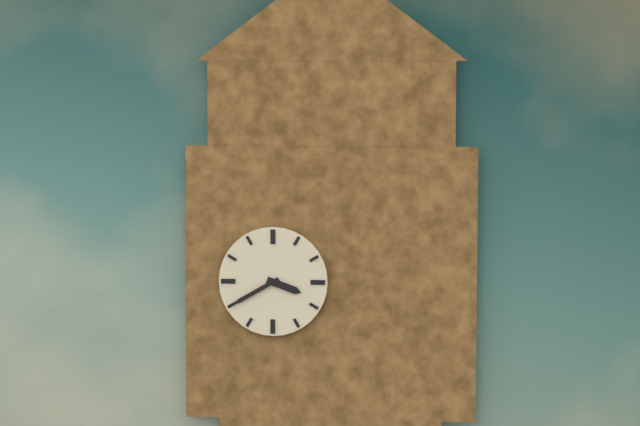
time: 3:40
